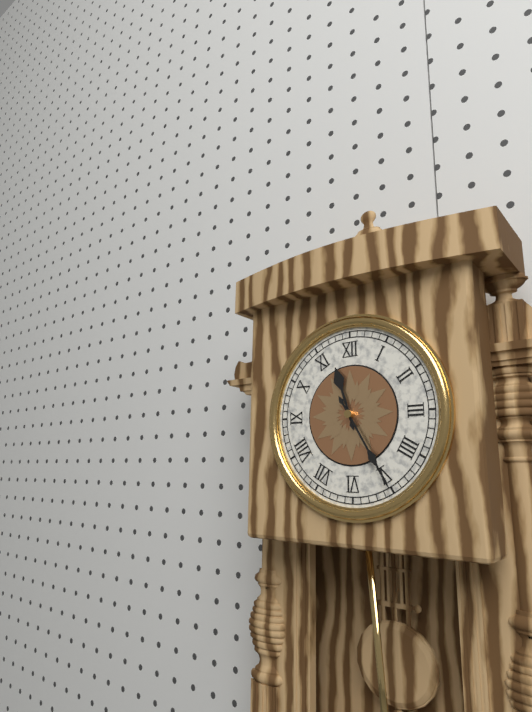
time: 11:25
